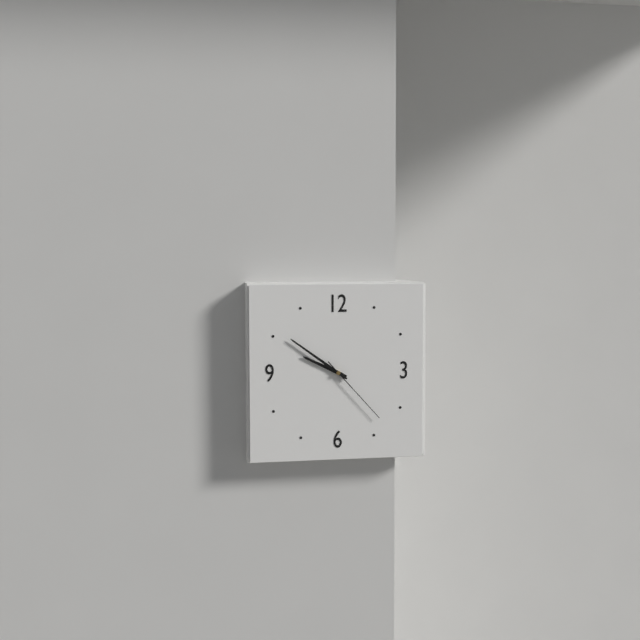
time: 9:51:23
